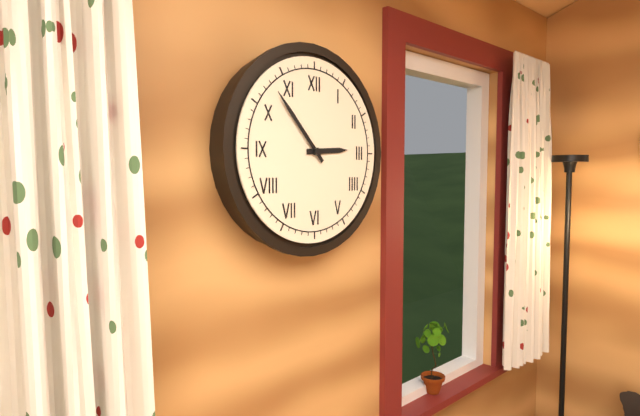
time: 2:53
